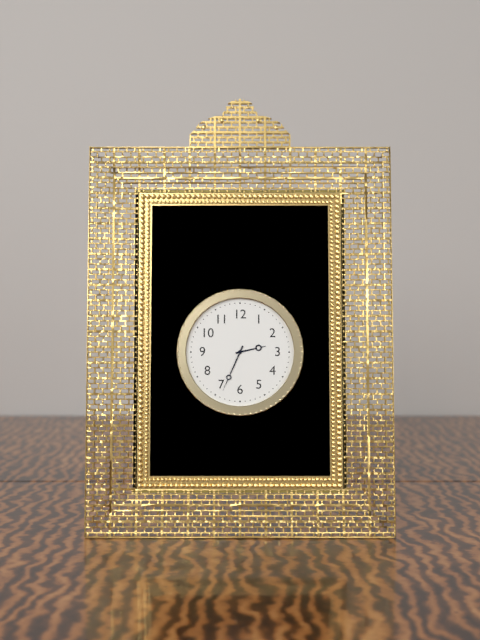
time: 2:34
